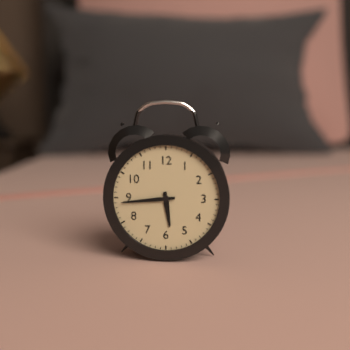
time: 5:44
